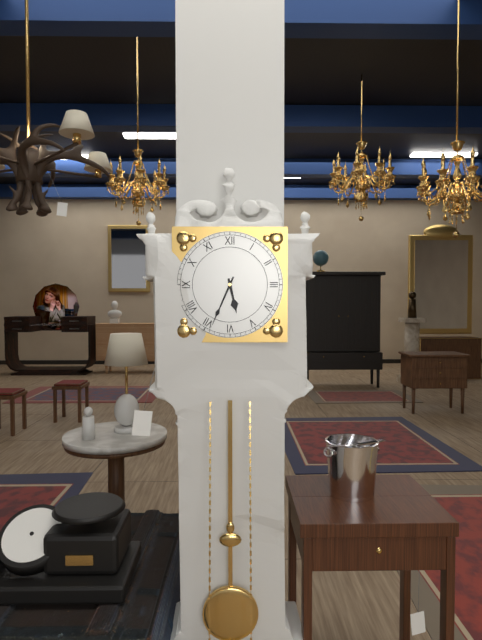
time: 5:34
